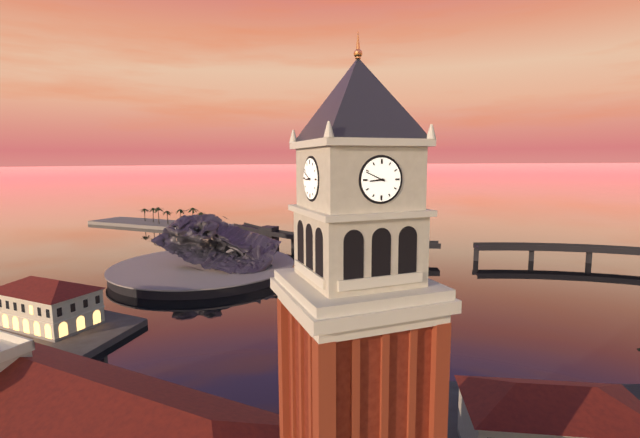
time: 8:49
